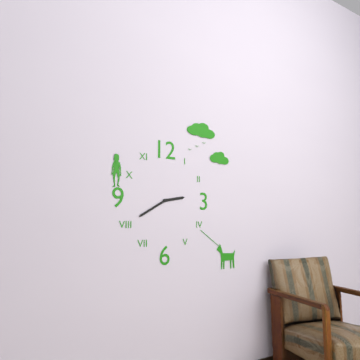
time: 2:40
